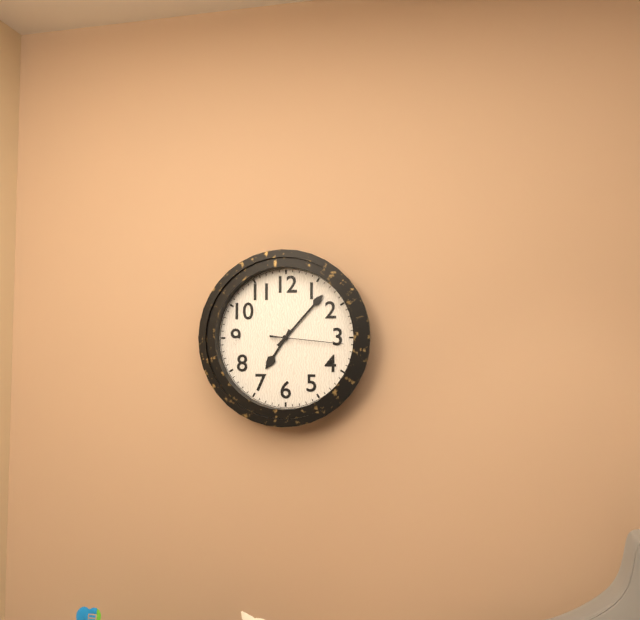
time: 7:07:16
